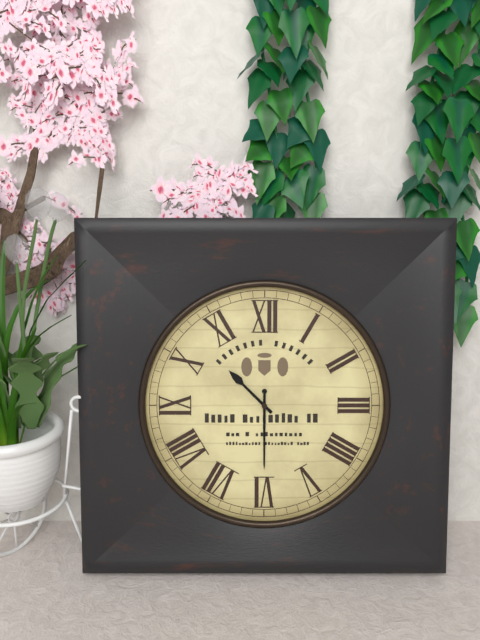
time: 10:30
